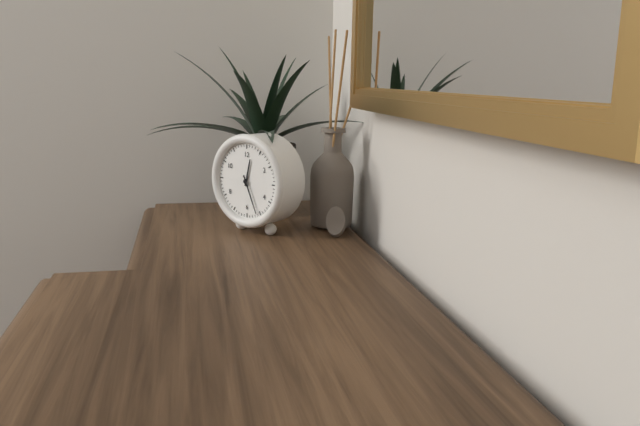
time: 12:26
